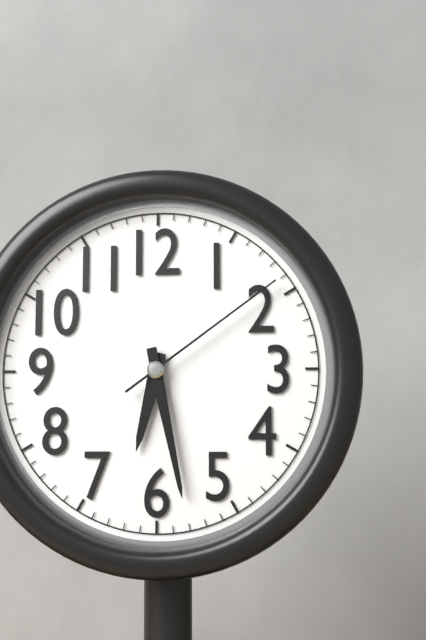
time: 6:28:09
